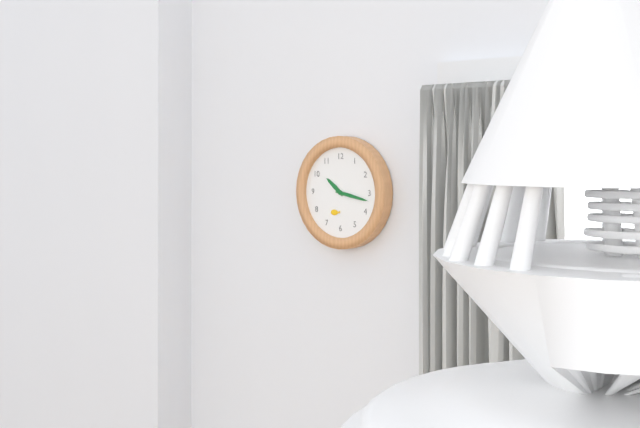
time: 10:17
